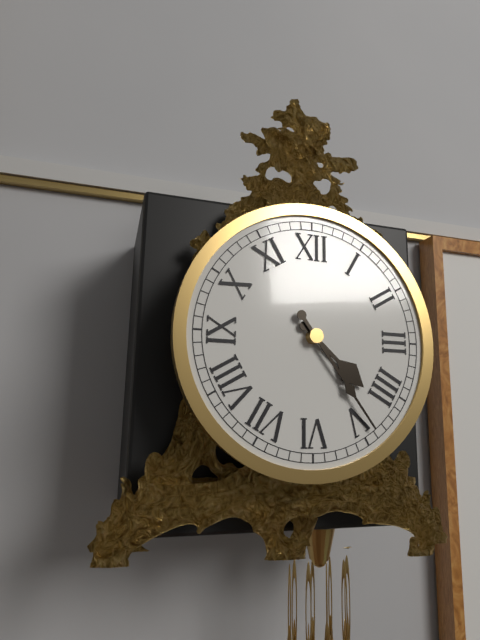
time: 4:24
